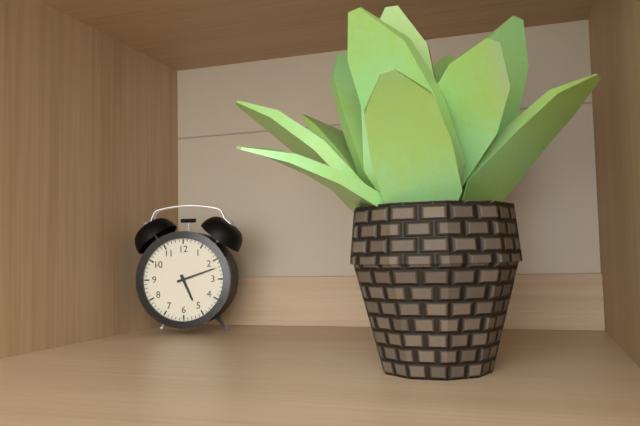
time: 5:12
